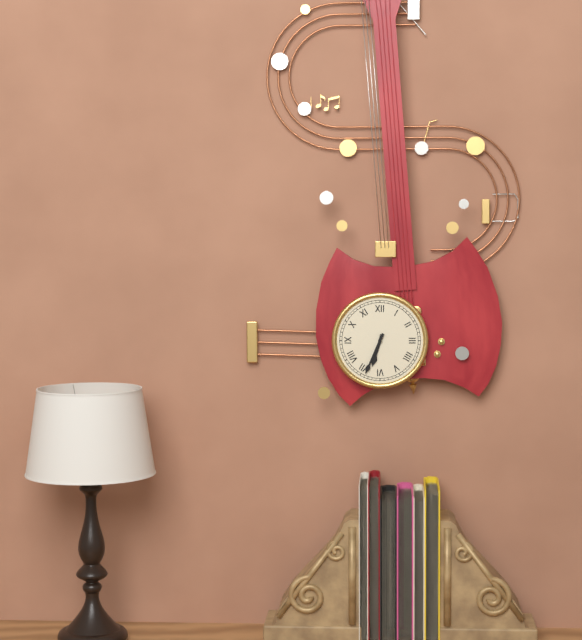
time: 6:34
